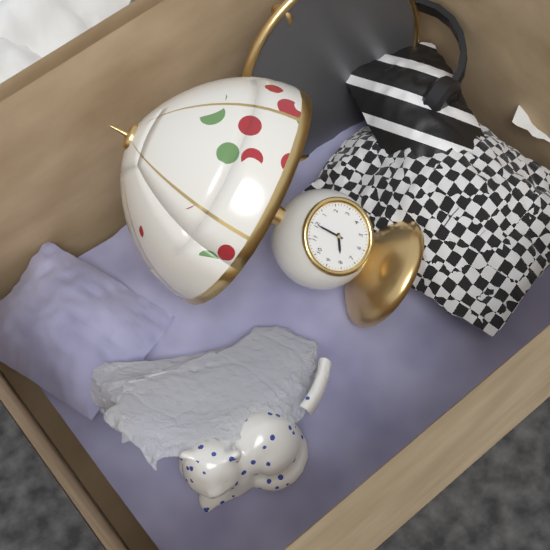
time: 8:00
